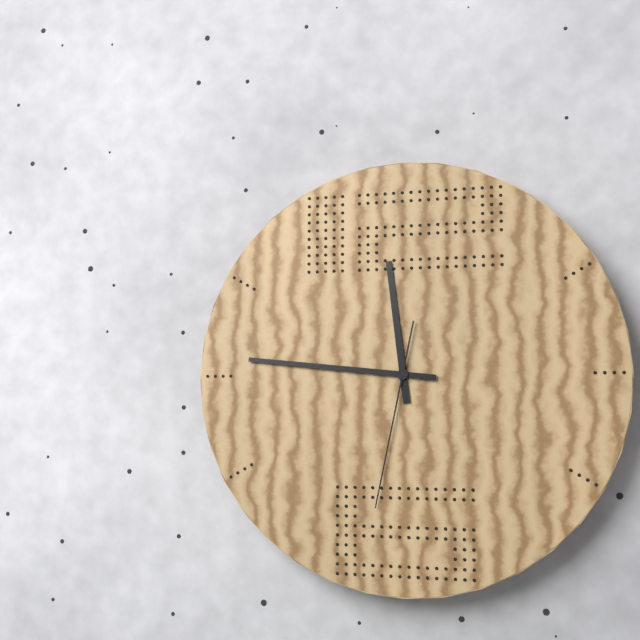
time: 11:46:32
